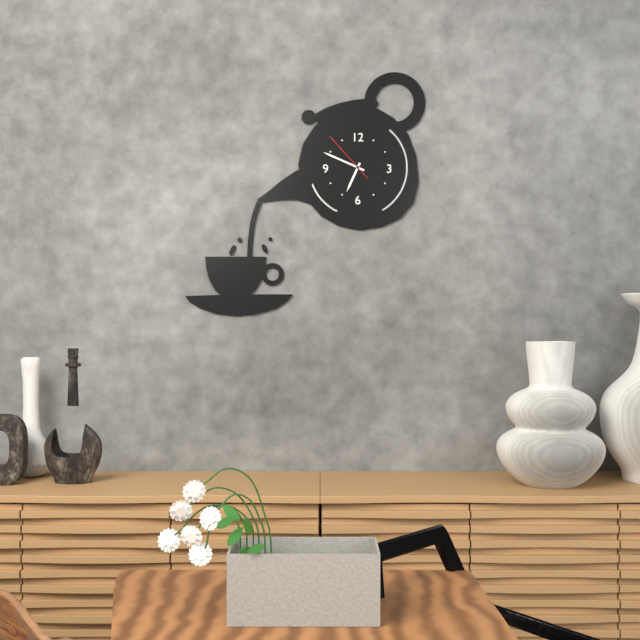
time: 6:49:53
